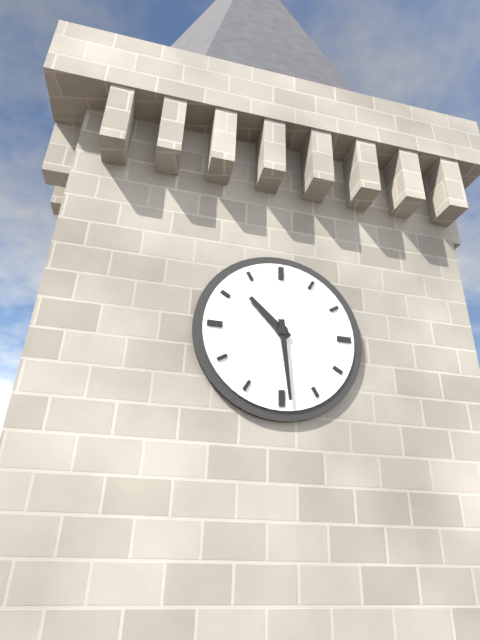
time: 10:29
